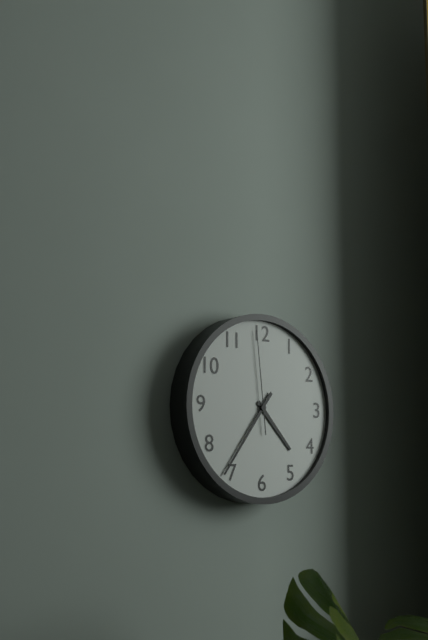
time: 4:36:59
